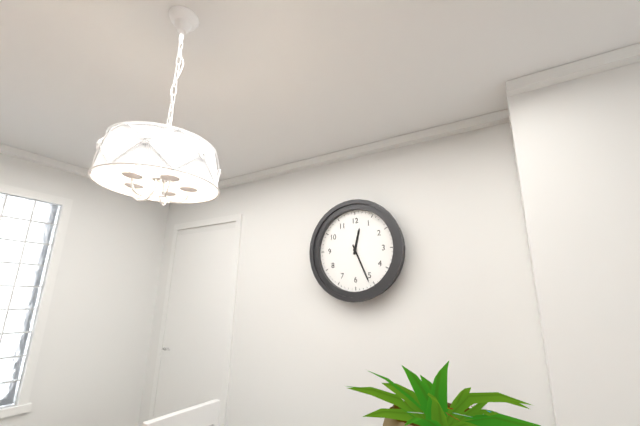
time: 12:26
